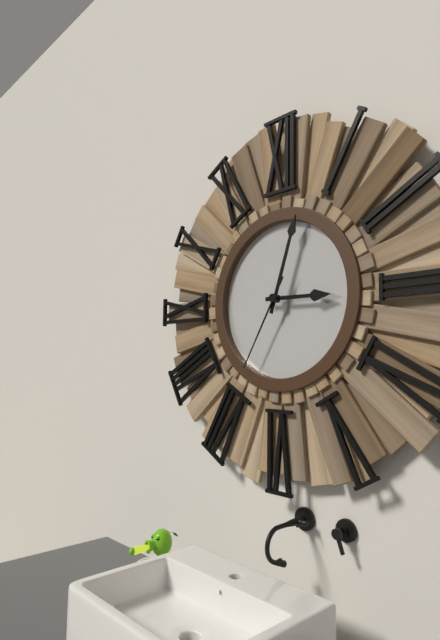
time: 3:03:35
